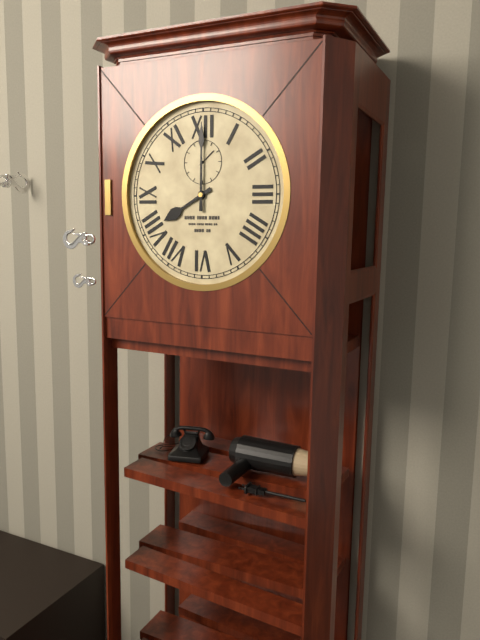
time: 8:00
